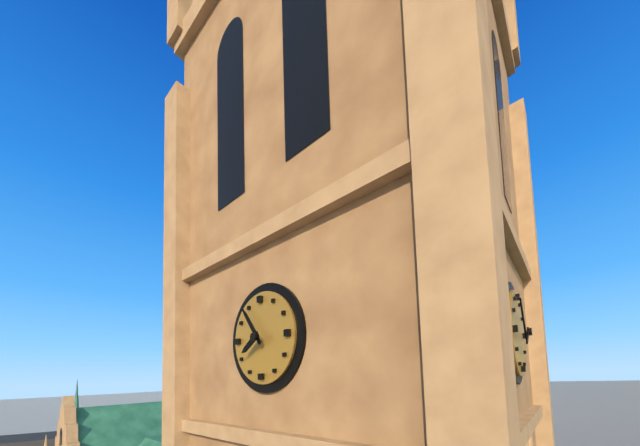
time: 7:54
